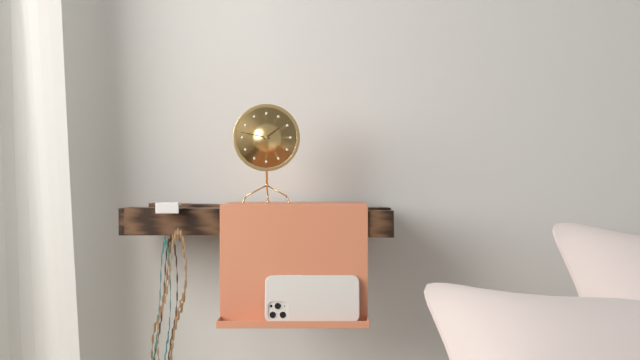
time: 1:47
